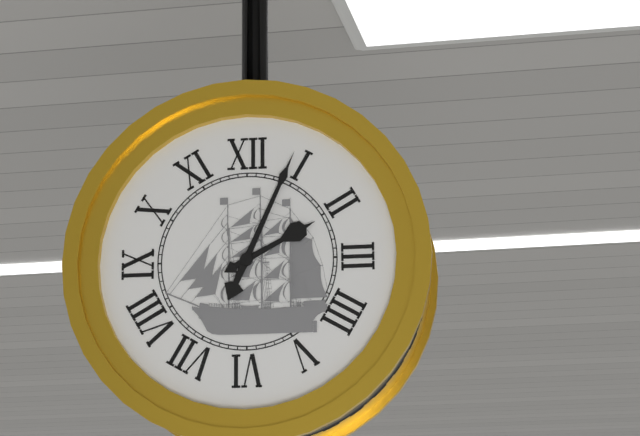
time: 2:04
